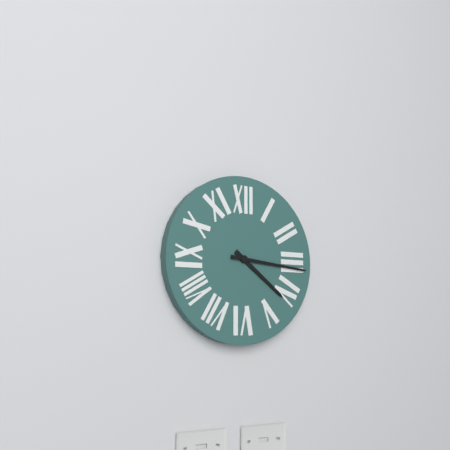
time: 4:16
